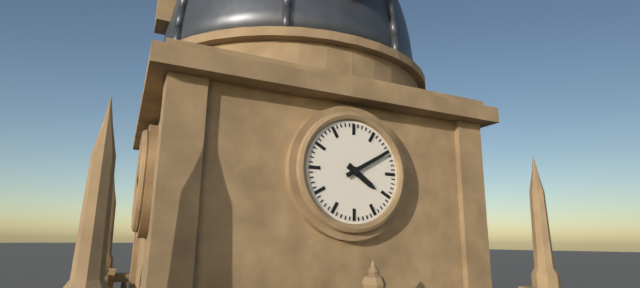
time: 4:10
